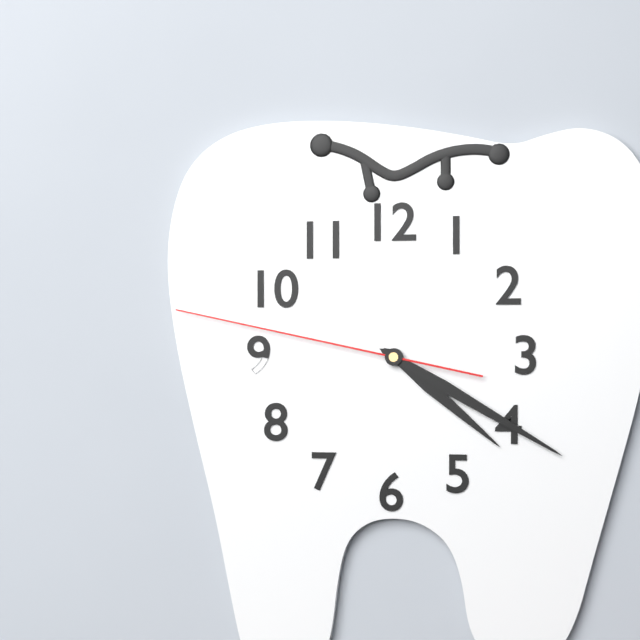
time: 4:20:47
